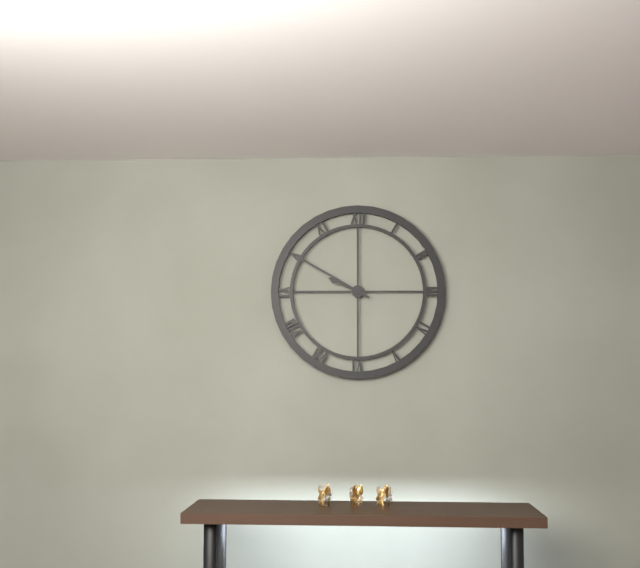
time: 9:50
